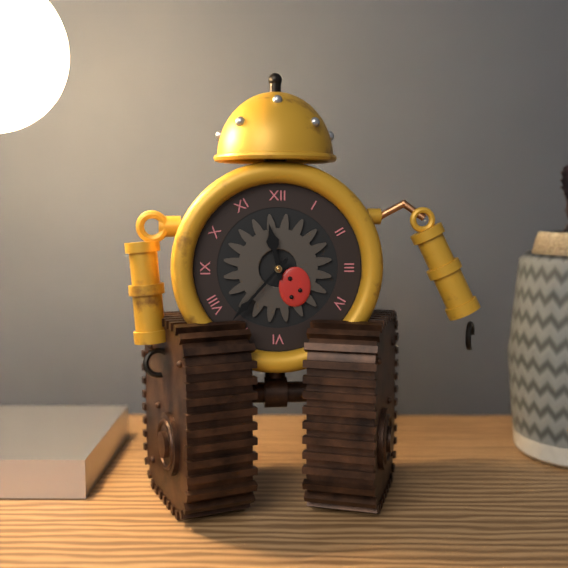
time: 11:37
